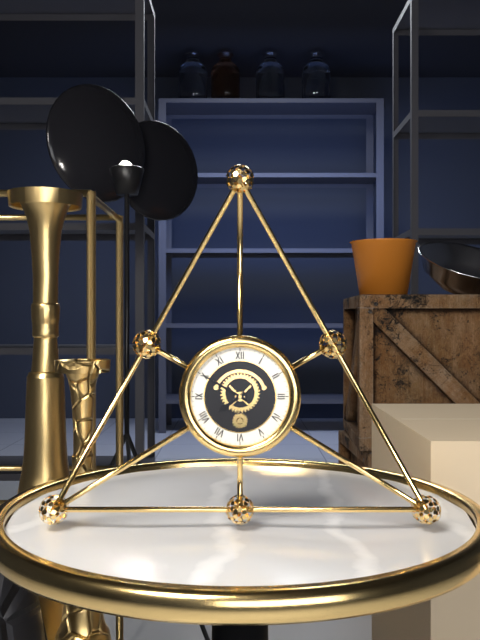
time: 7:50
